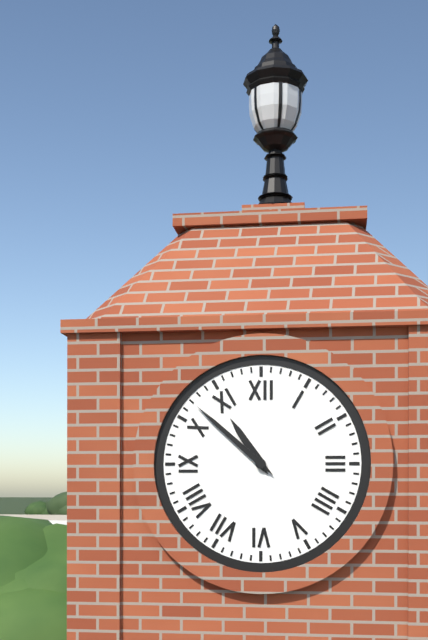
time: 10:52
